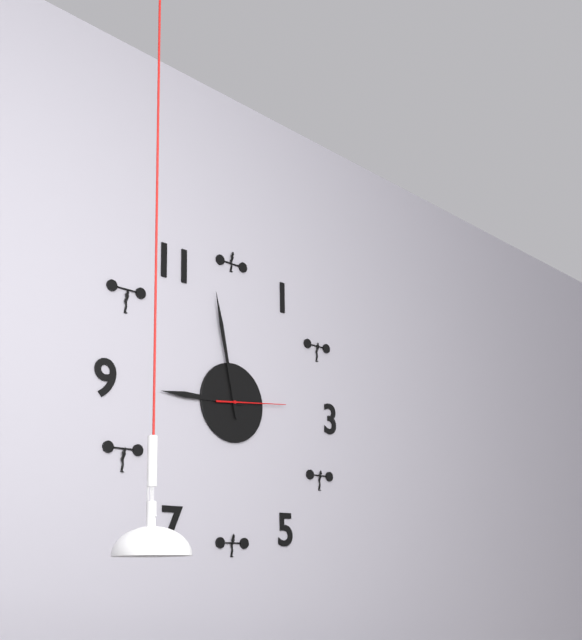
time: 8:58:14
